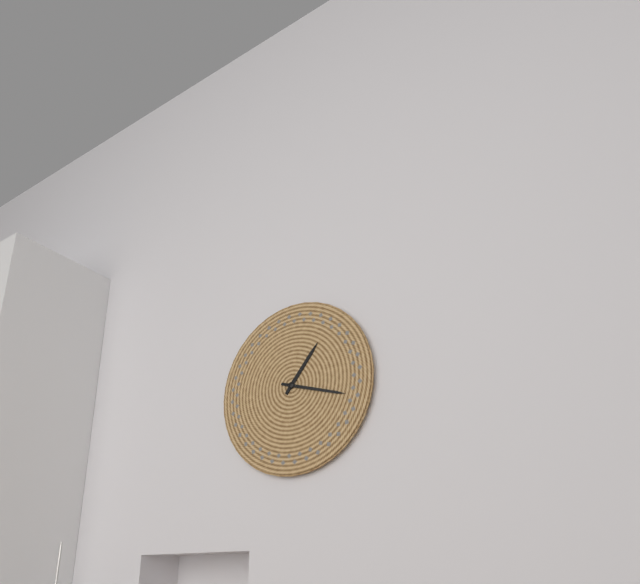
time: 1:18
